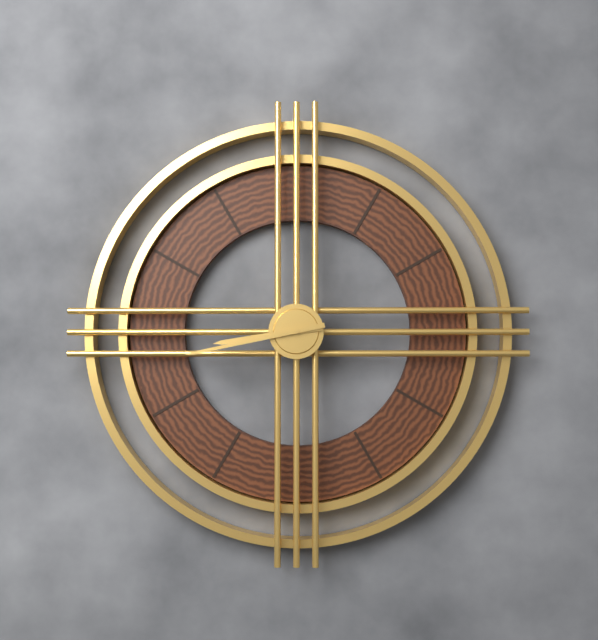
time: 8:43
